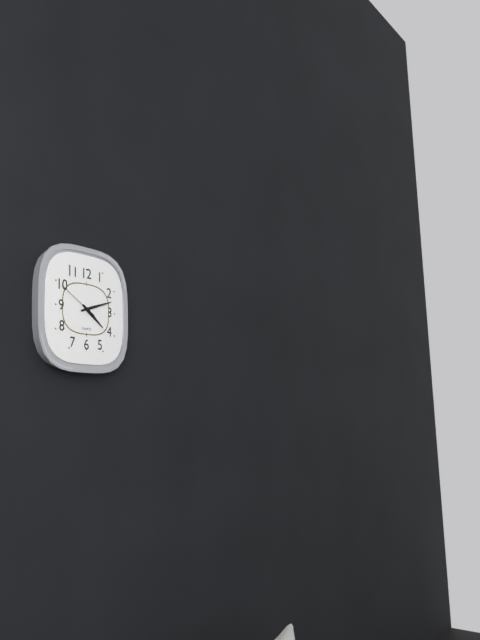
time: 4:12
